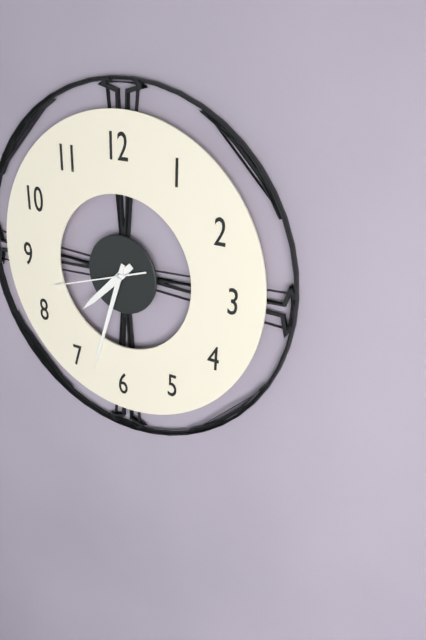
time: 7:33:42
